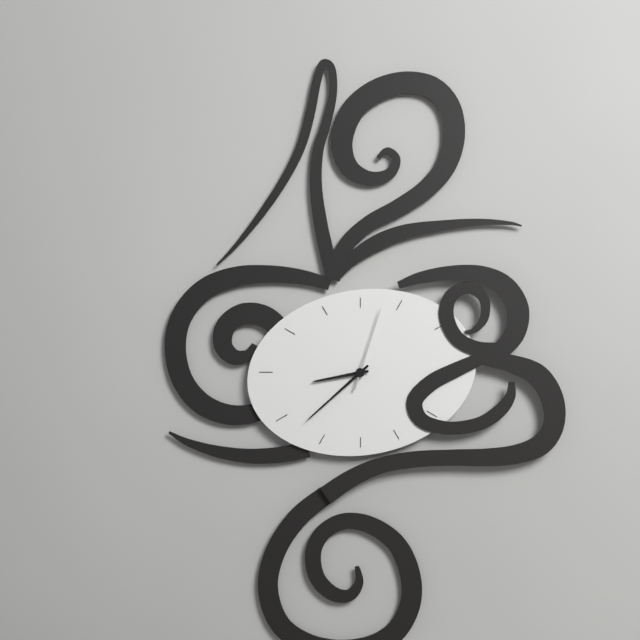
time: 8:38:03
